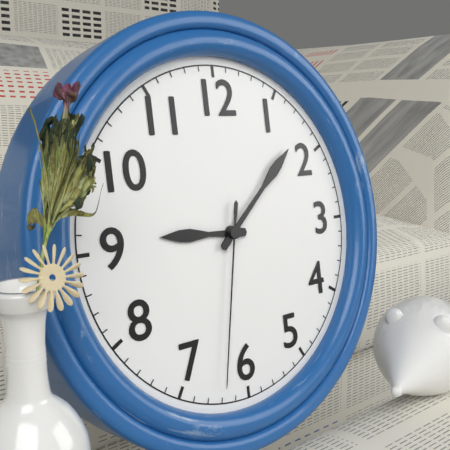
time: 9:08:32
